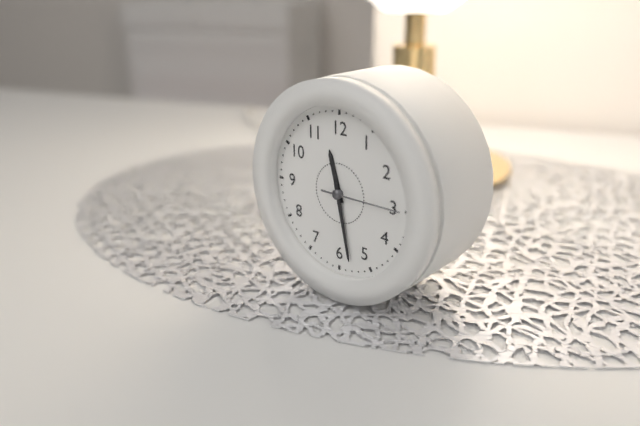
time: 11:28:15
